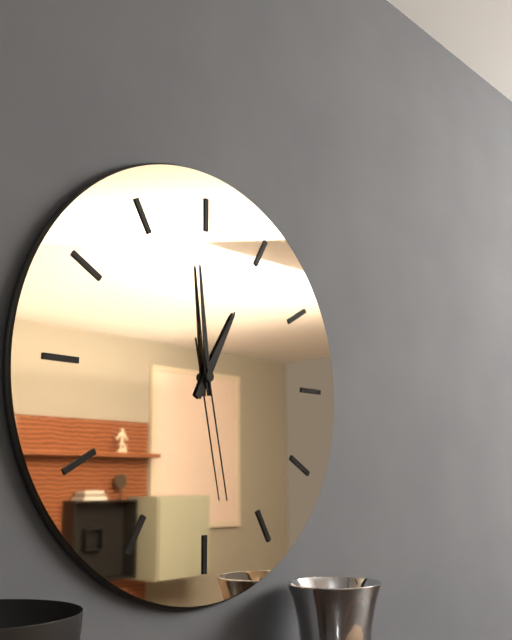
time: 12:59:28
